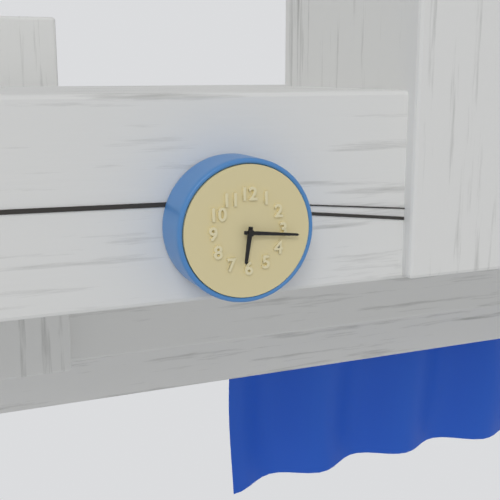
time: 6:16
